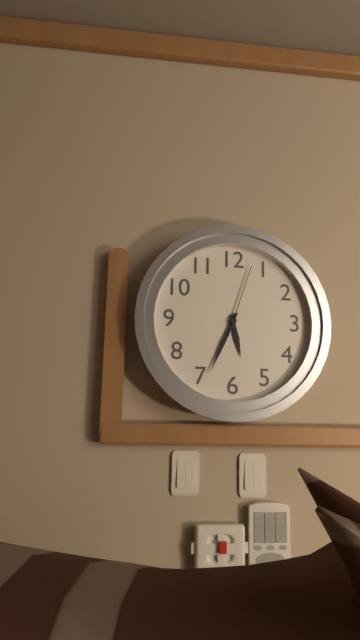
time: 5:34:03
